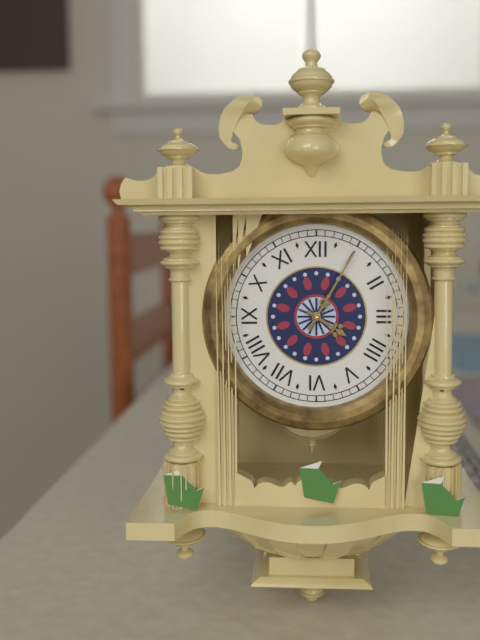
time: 4:05
